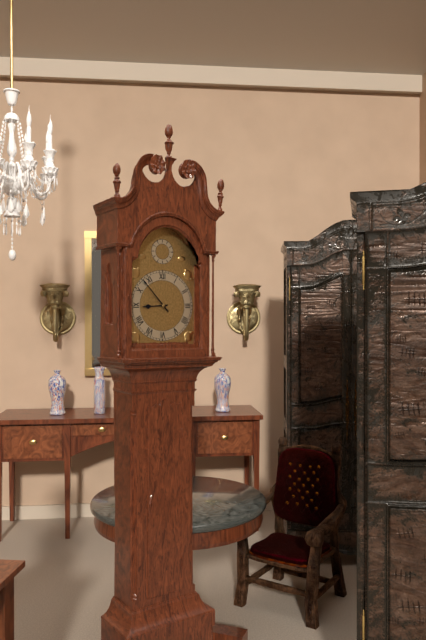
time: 8:53
